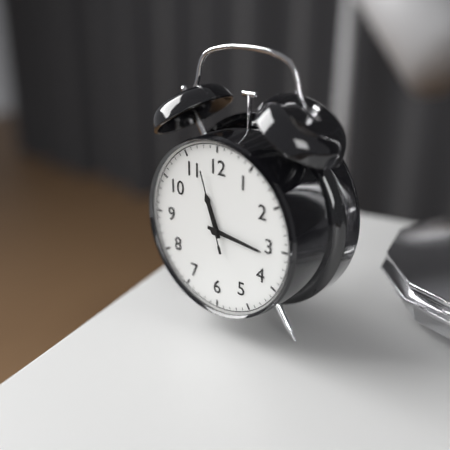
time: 11:16:57
